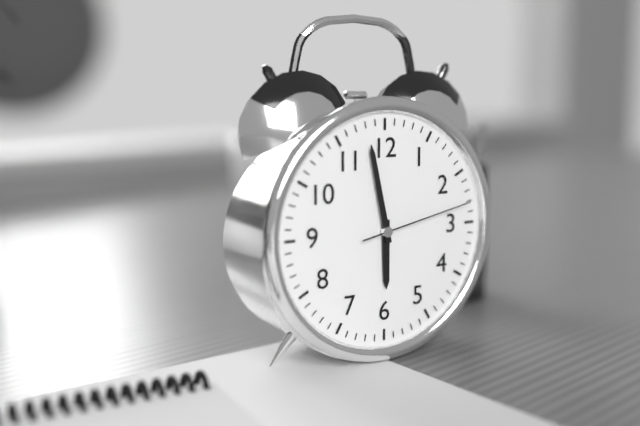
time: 5:58:13
